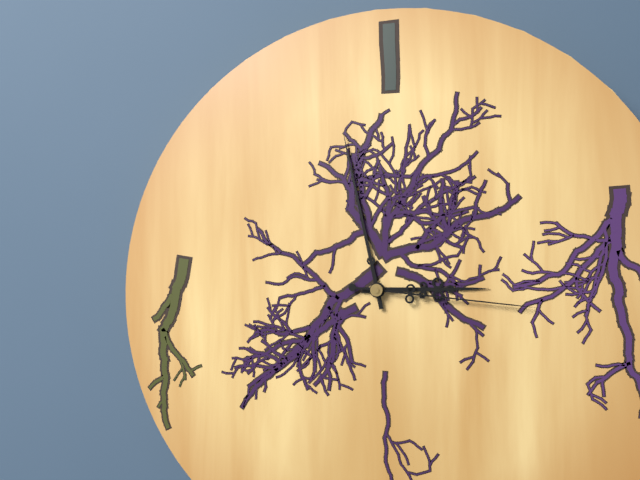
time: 2:58:16
